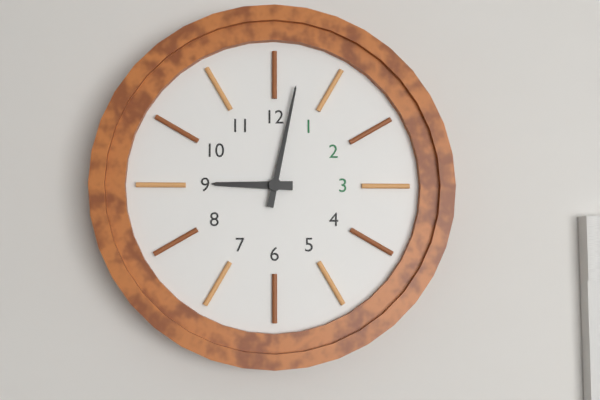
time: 9:02
